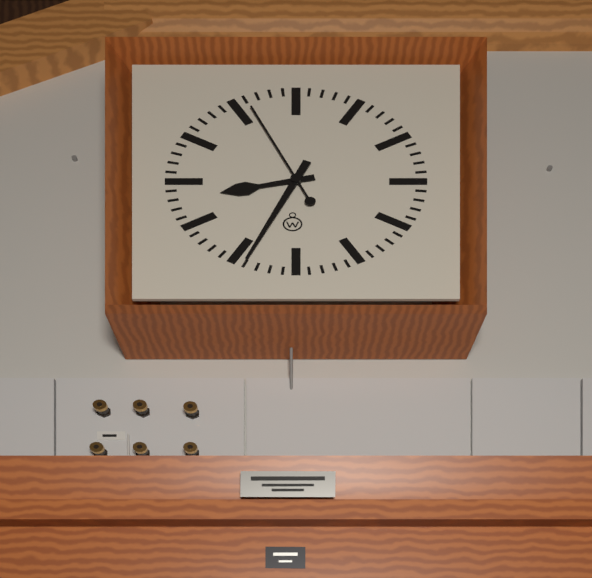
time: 8:34:56
